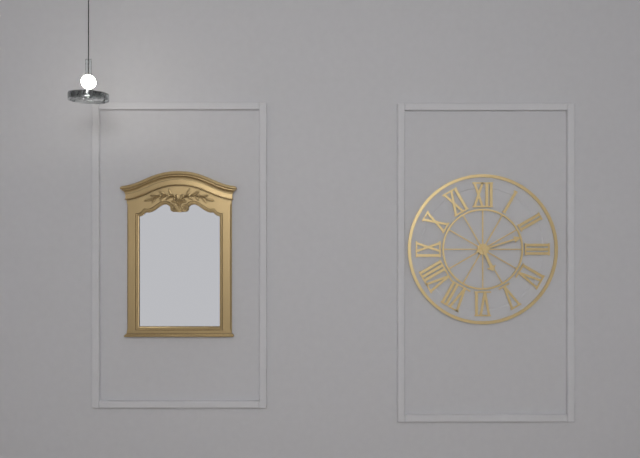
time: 5:12
